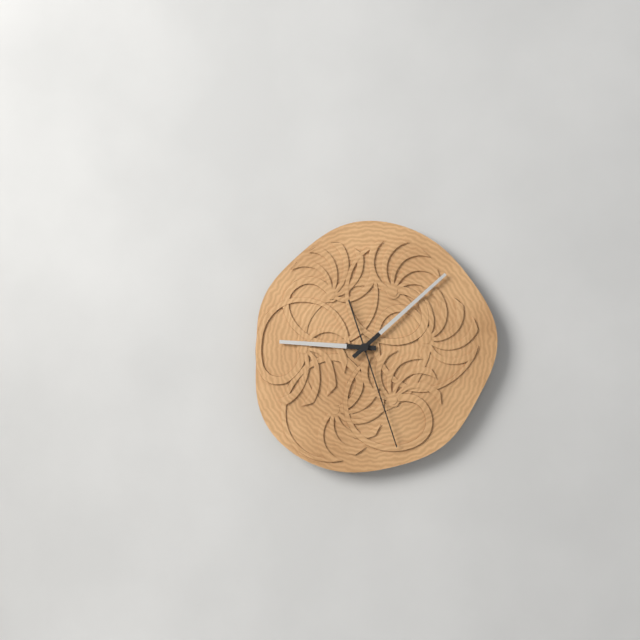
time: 9:08:27
